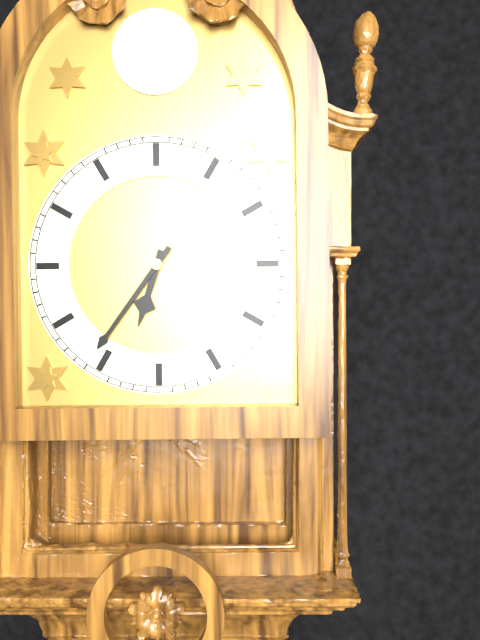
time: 6:36
